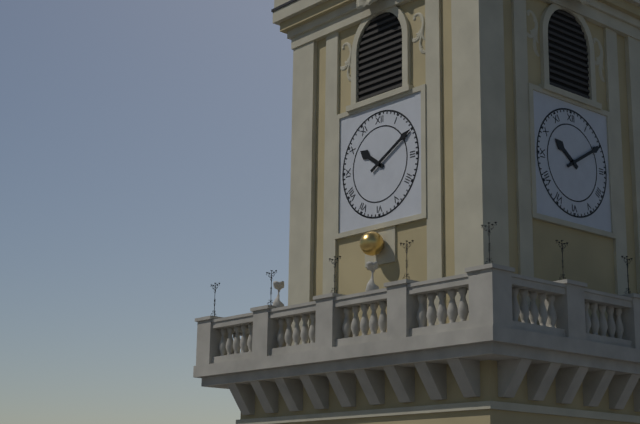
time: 10:10
